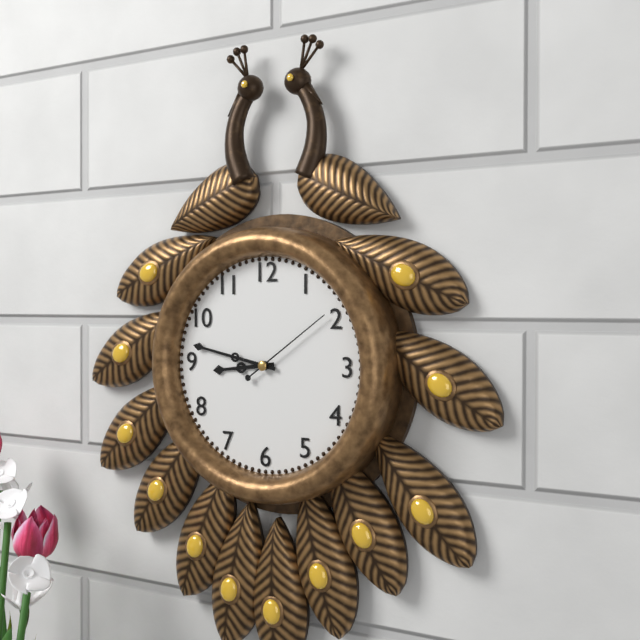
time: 8:47:09
